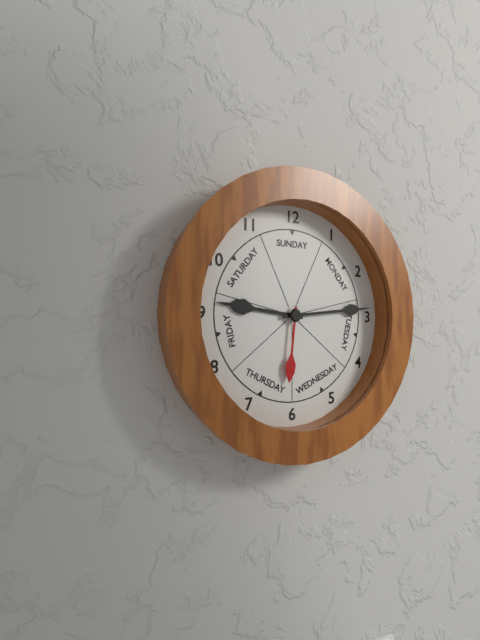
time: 9:14:31
